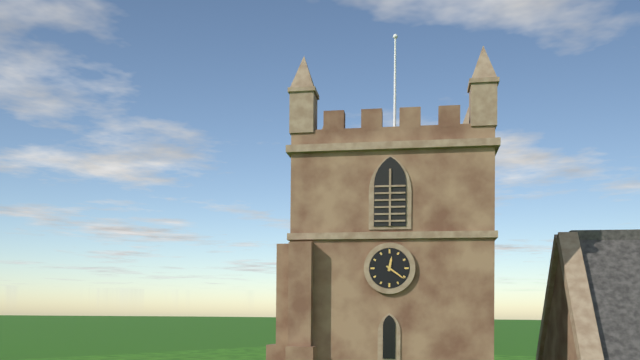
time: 12:21
